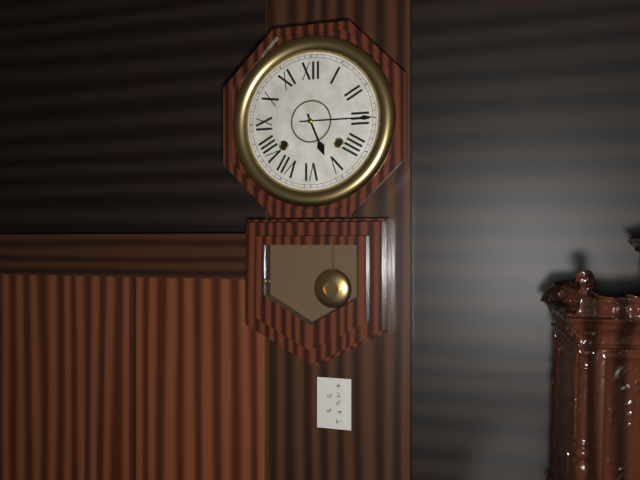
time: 5:15
